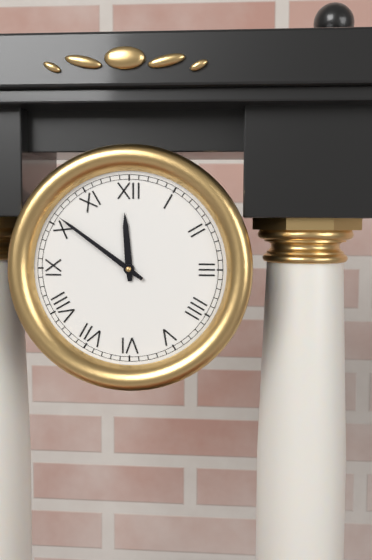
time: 11:51
